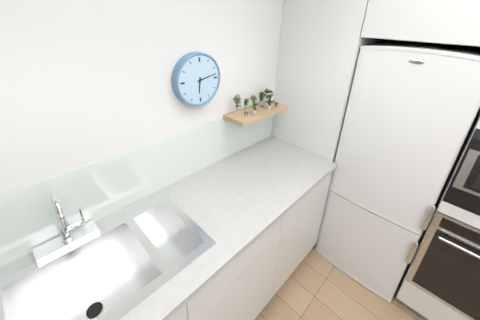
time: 6:13
